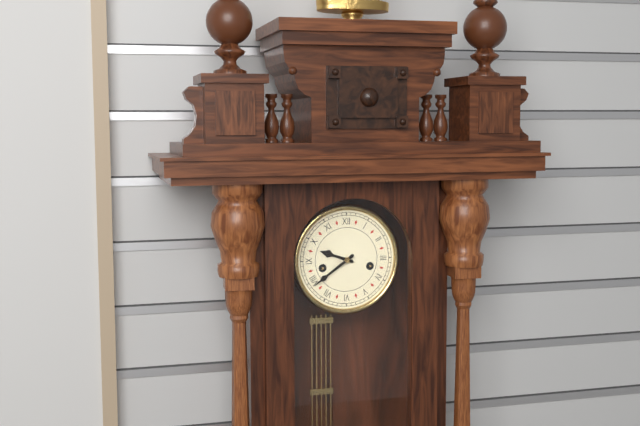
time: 9:39
